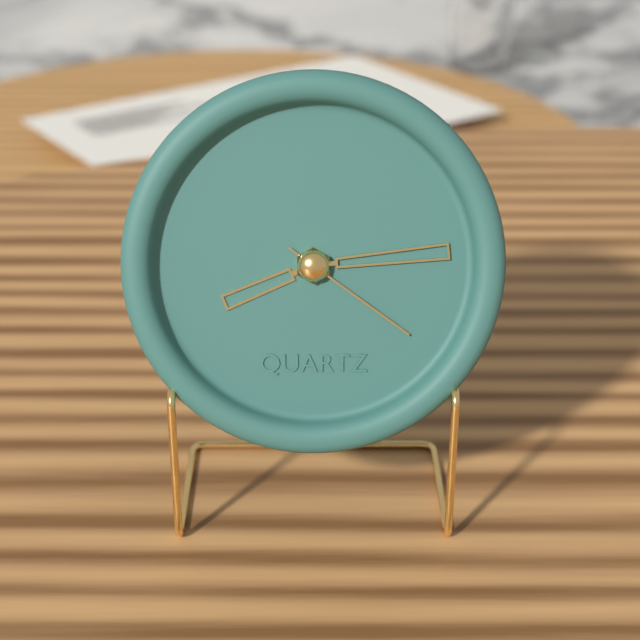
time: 8:14:21
